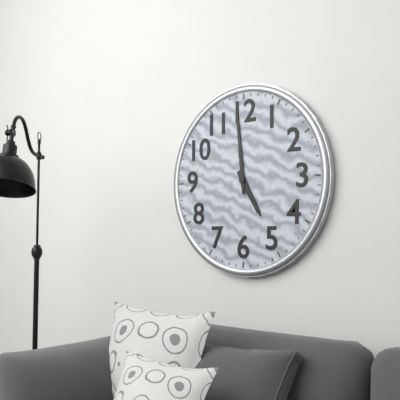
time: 4:59
